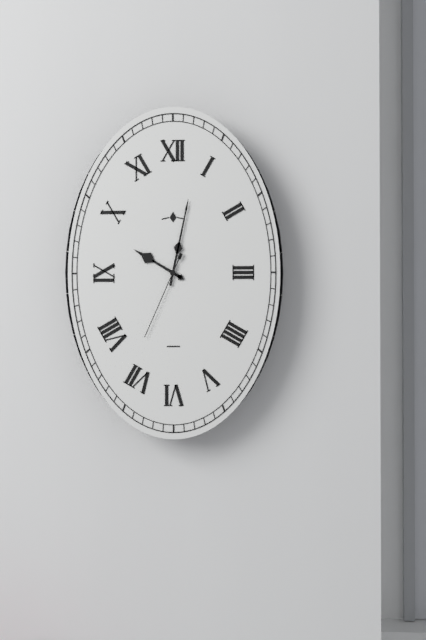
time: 10:02:34
